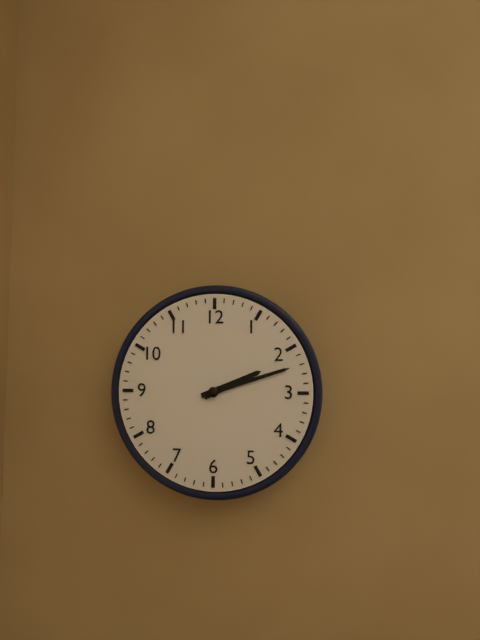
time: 2:12
